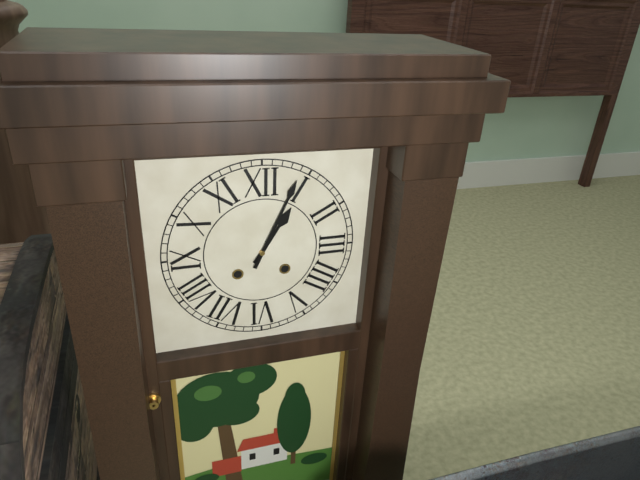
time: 1:04
